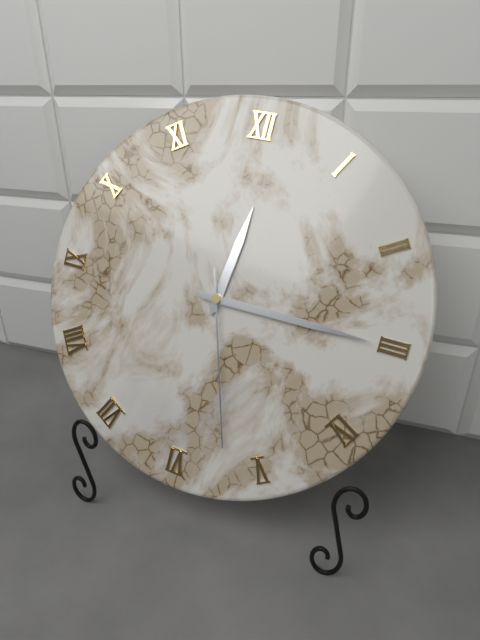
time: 12:15:27
